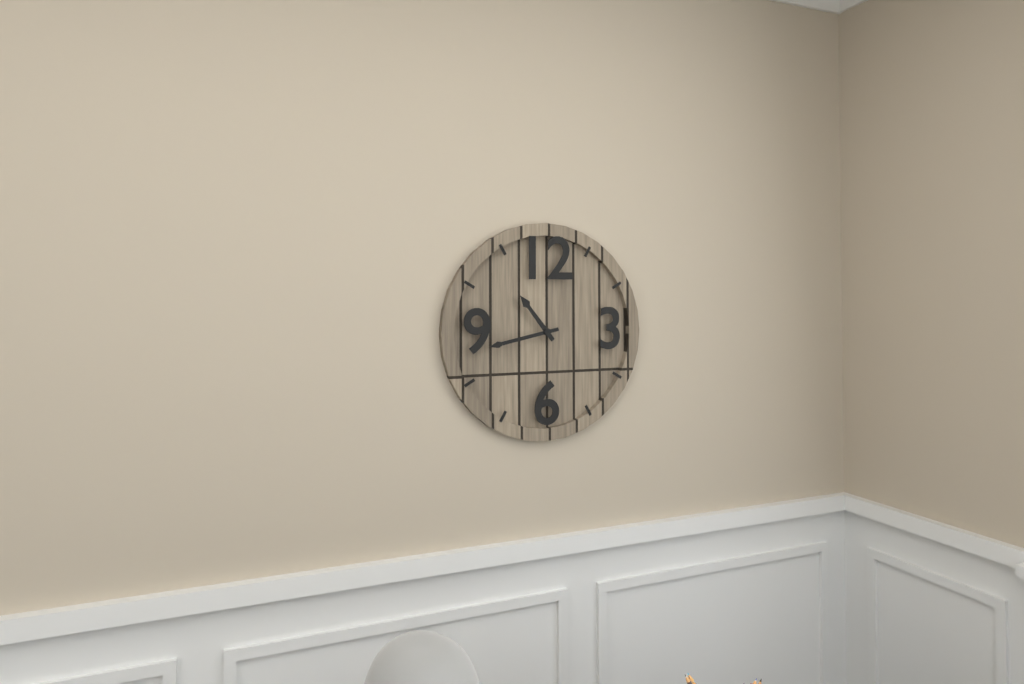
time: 10:43
